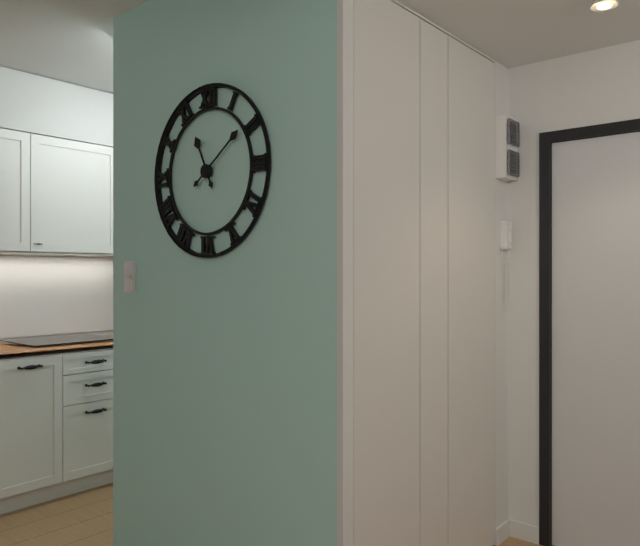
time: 11:09
